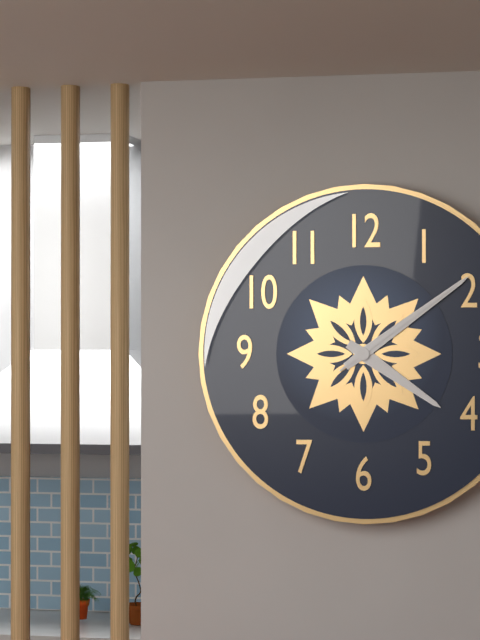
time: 4:09:09
